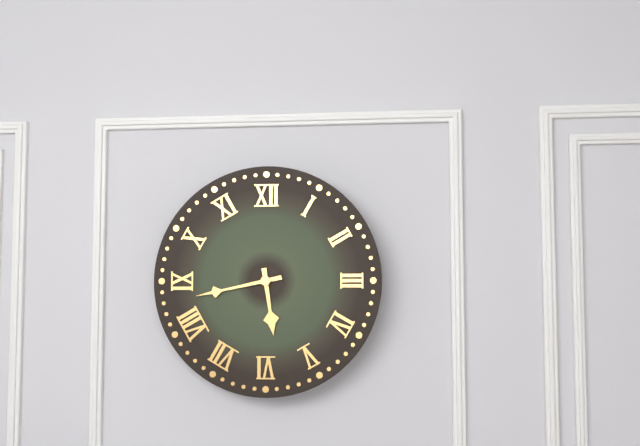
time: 5:43
